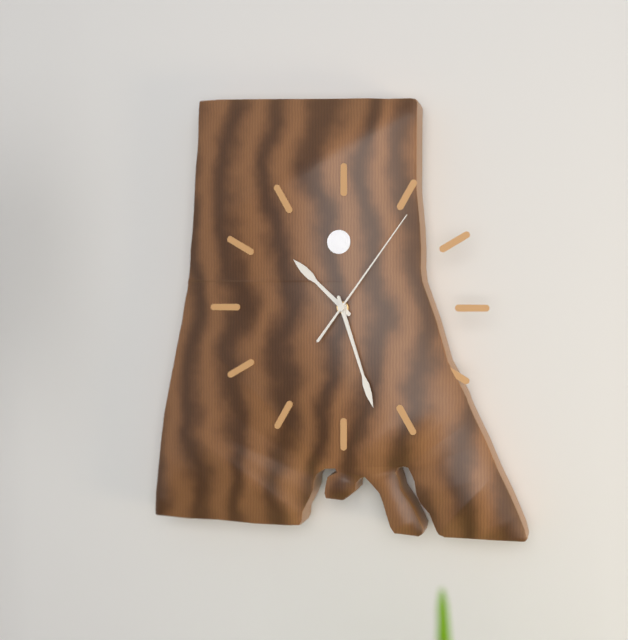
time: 10:27:06
